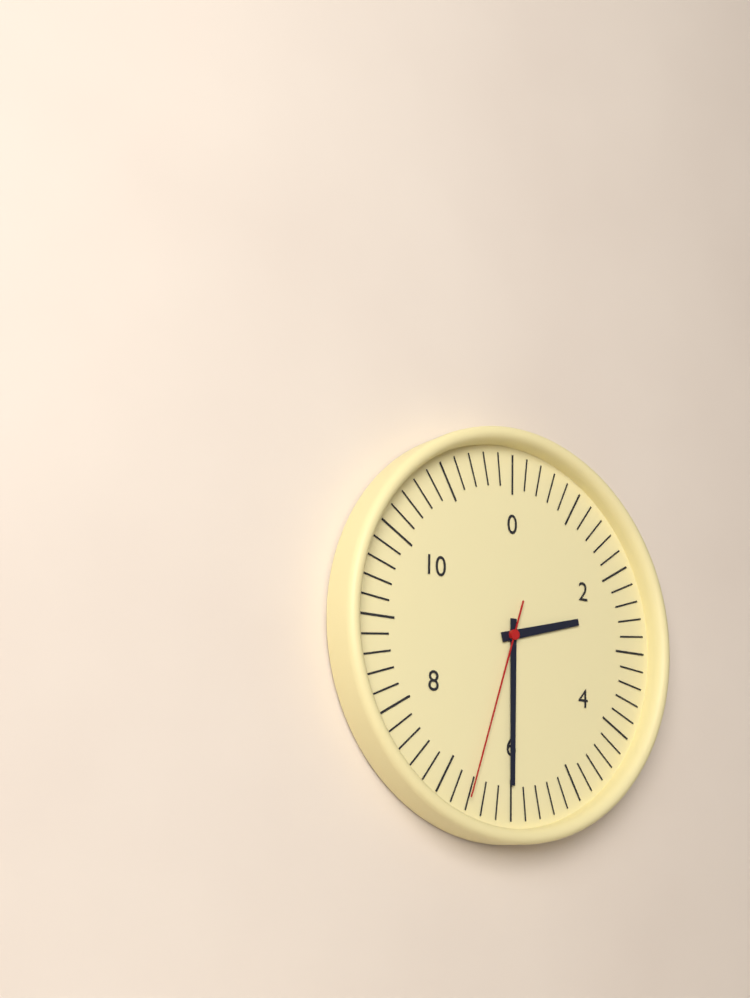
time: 2:30:33
